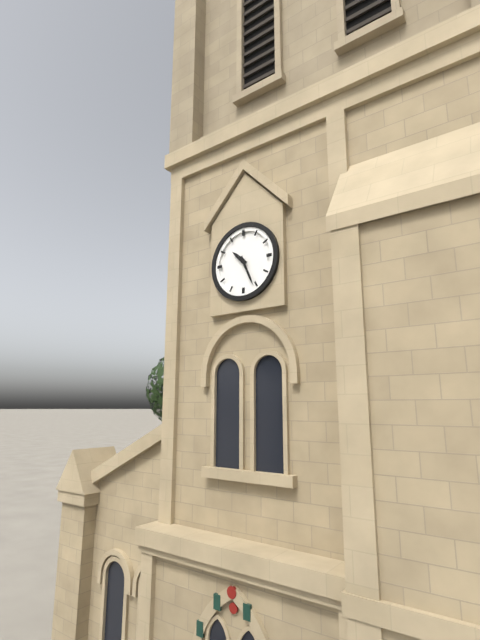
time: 10:26
